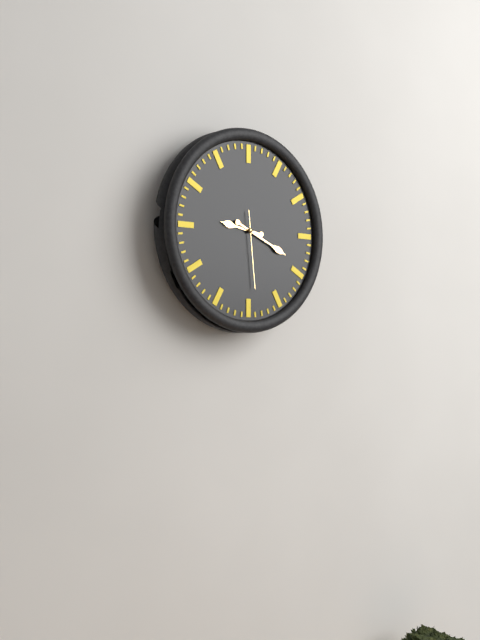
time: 9:19:29
